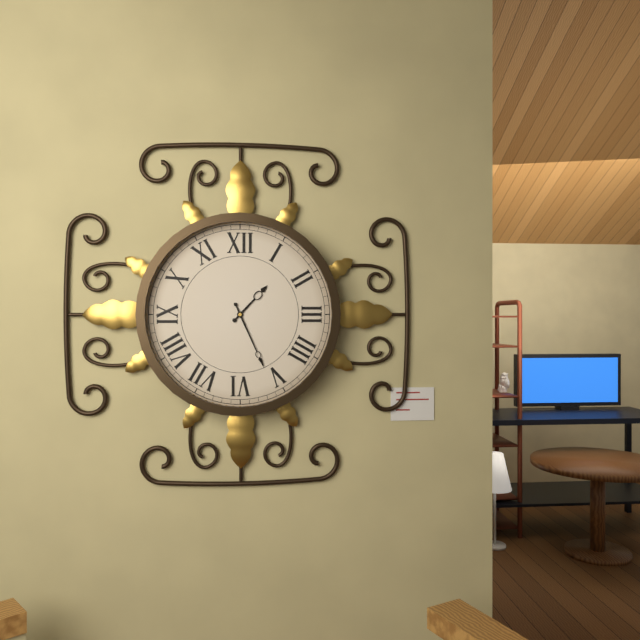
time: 1:26
